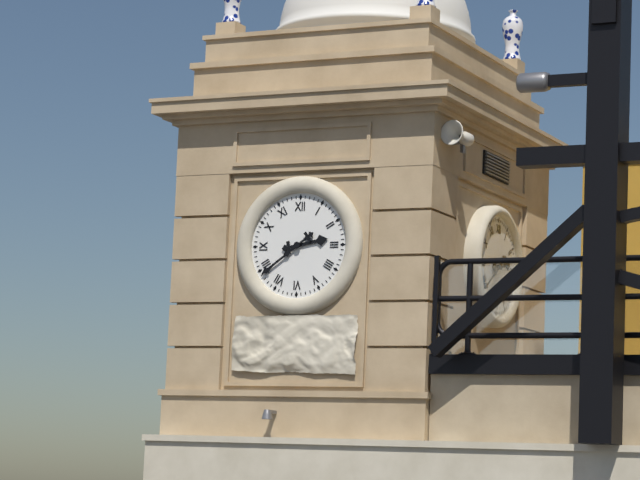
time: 2:39
